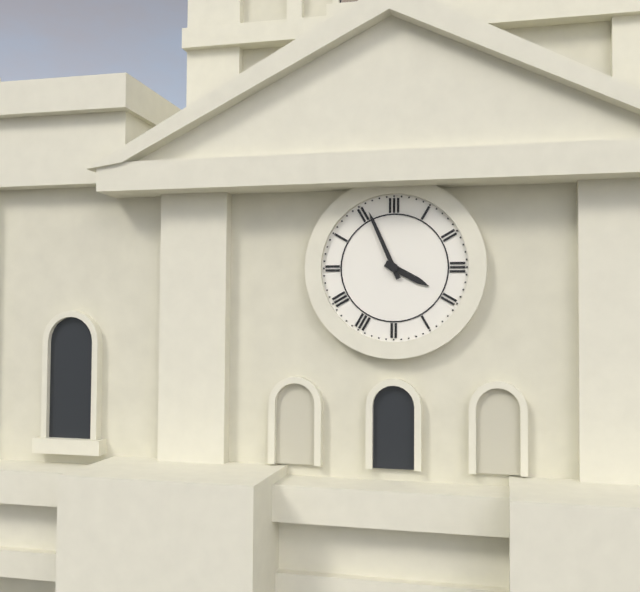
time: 3:56
